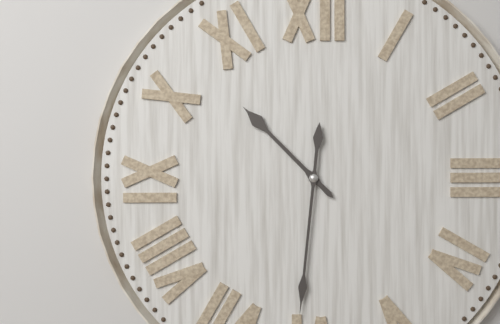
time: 10:31
